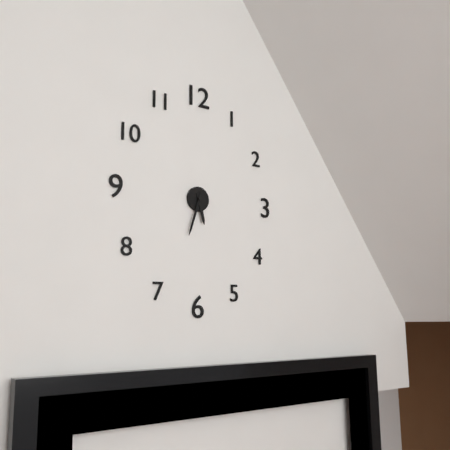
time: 5:33
